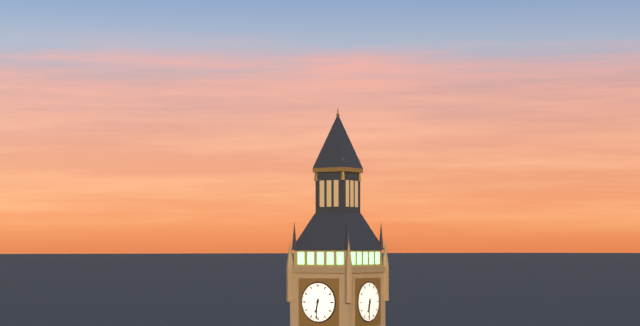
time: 6:31
